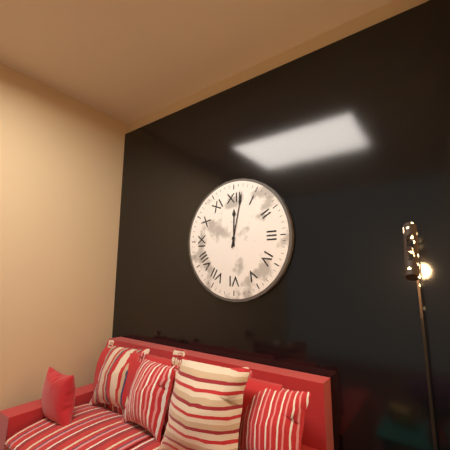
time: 12:02
